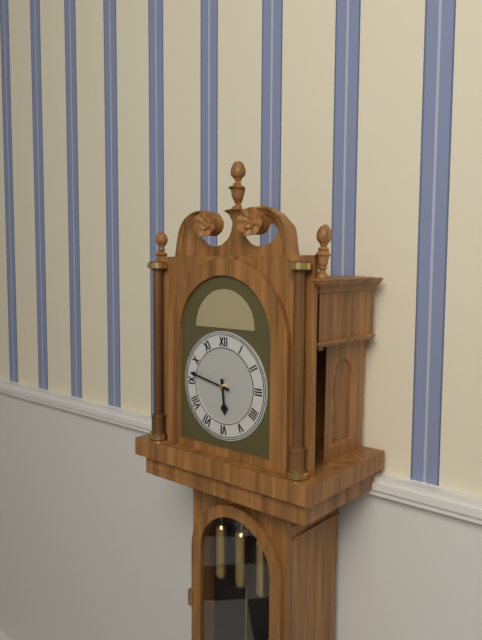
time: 5:47
